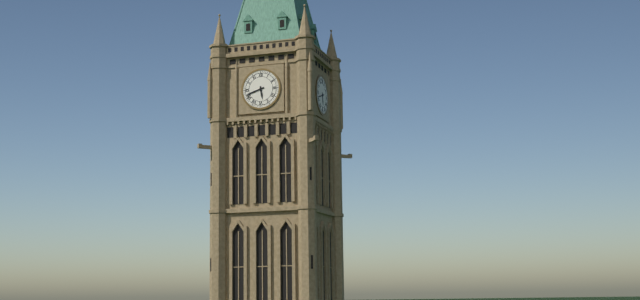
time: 5:42
